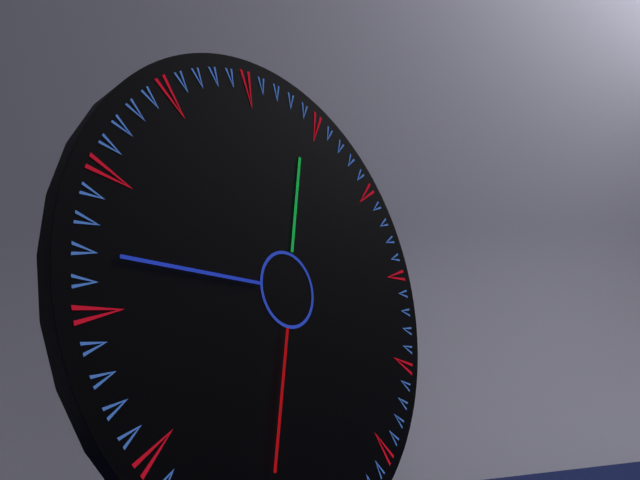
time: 12:47:34
